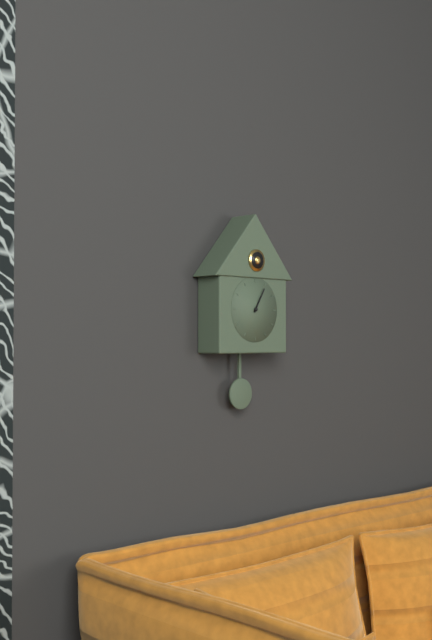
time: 1:05
